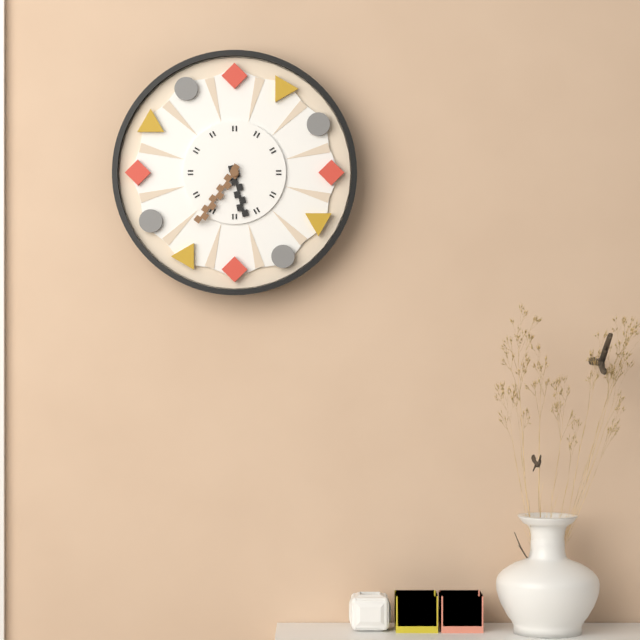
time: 5:36
